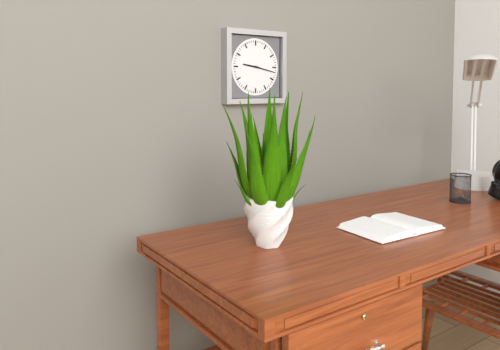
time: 9:17
